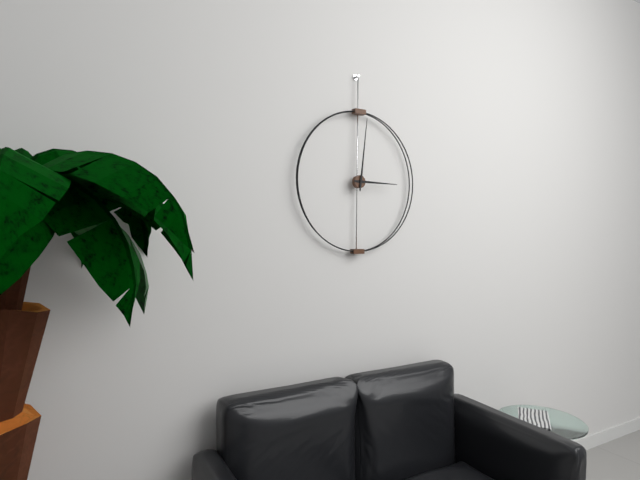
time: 3:01
